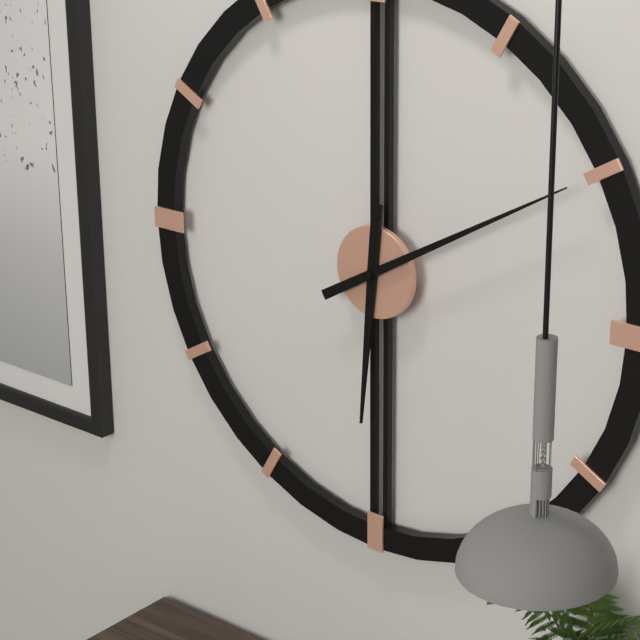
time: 6:10
